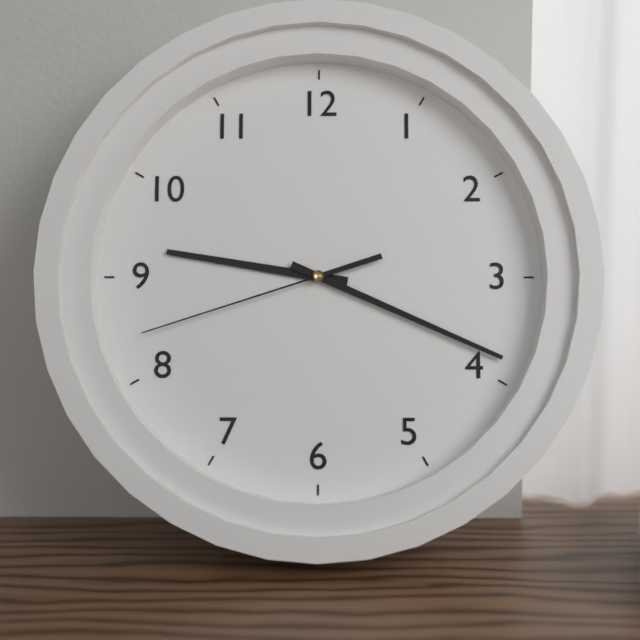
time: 9:19:42
